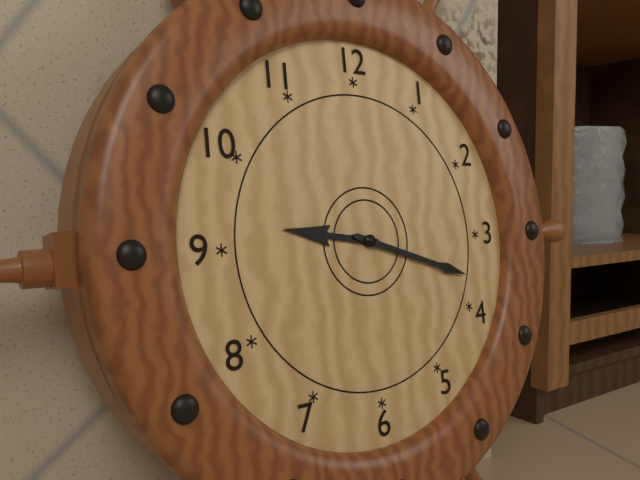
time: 9:18
